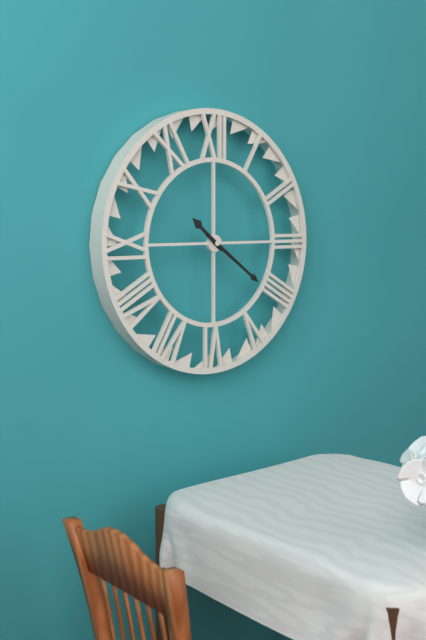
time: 10:21
